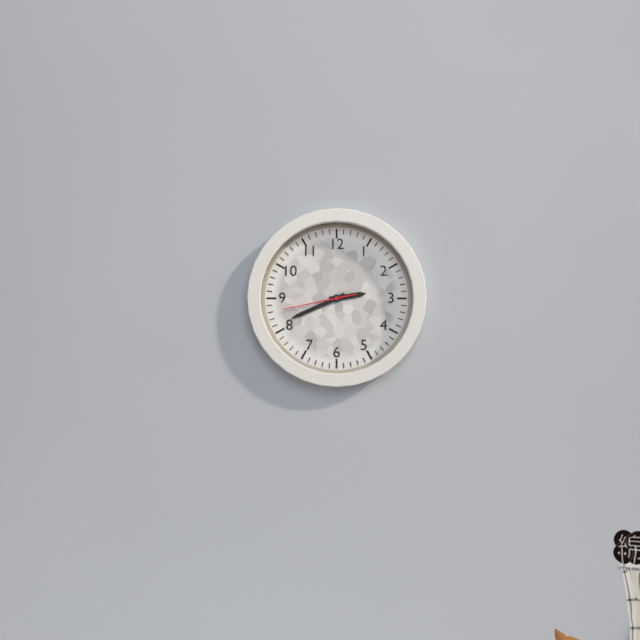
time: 2:41:43
